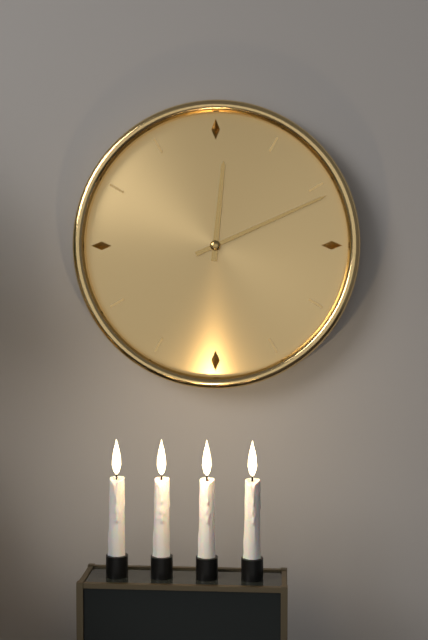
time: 12:11
